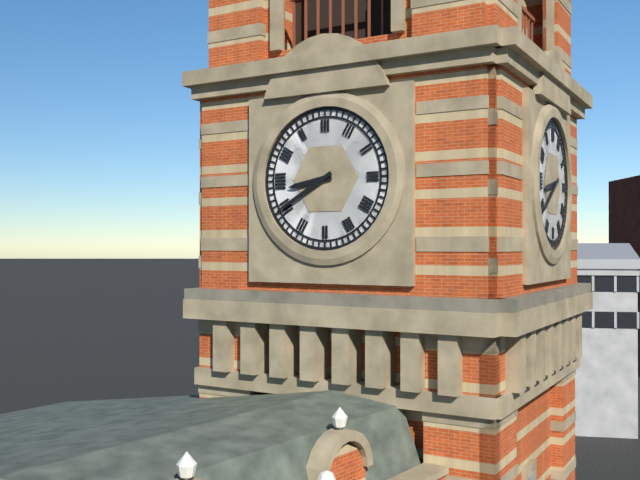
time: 8:40
